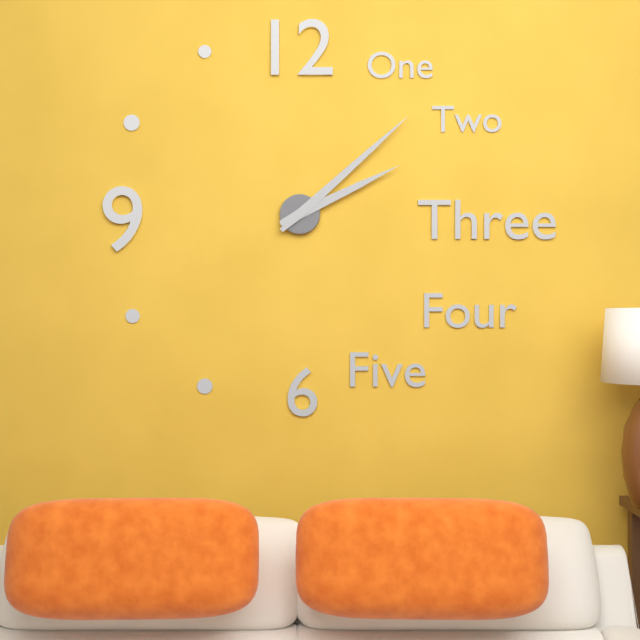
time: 2:08
